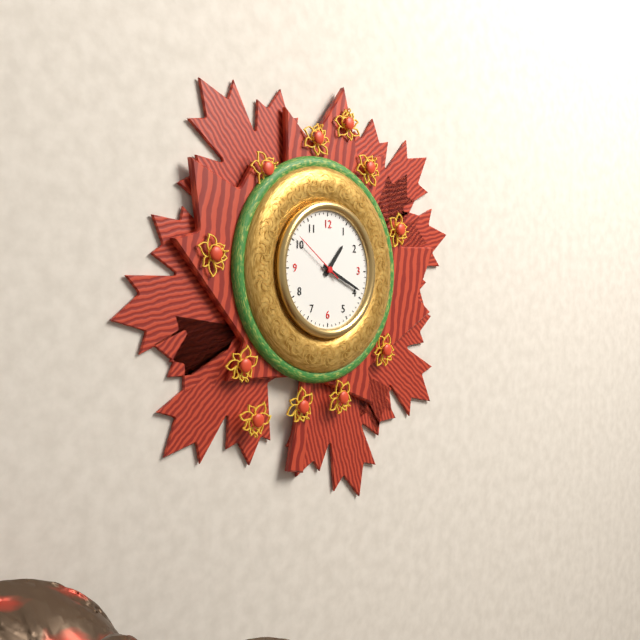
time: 1:19:51
